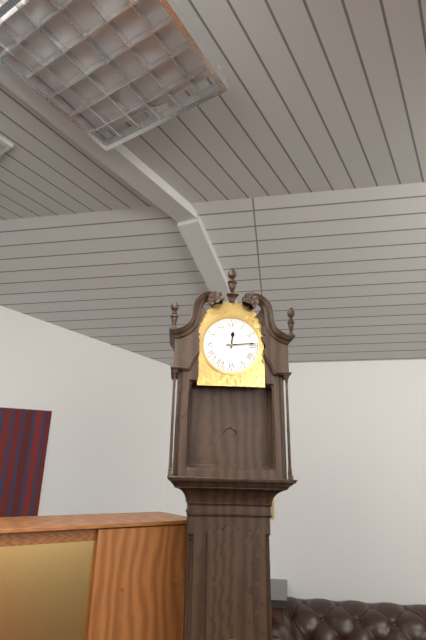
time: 12:14
